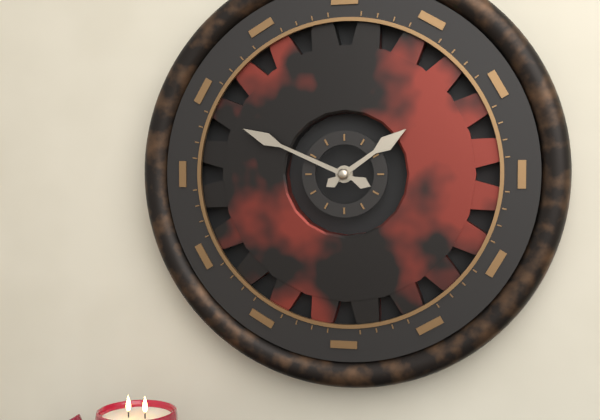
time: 1:49
